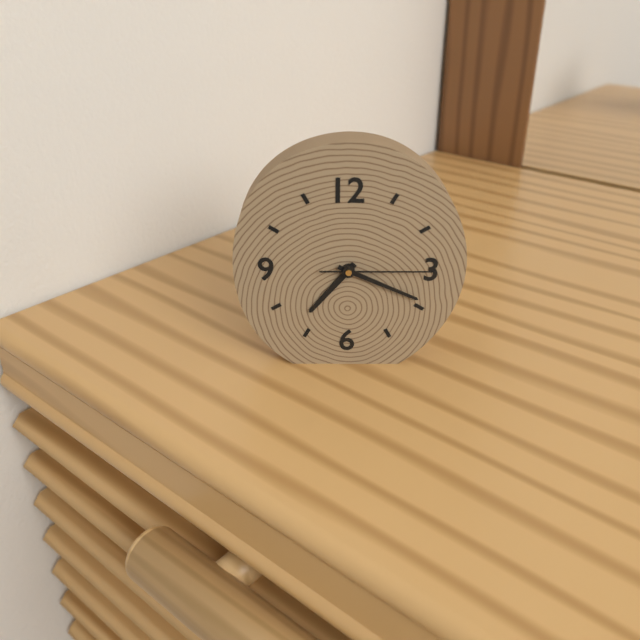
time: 7:19:15
